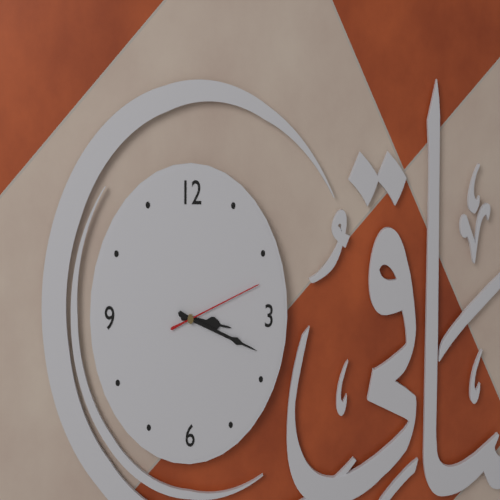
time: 3:18:12
